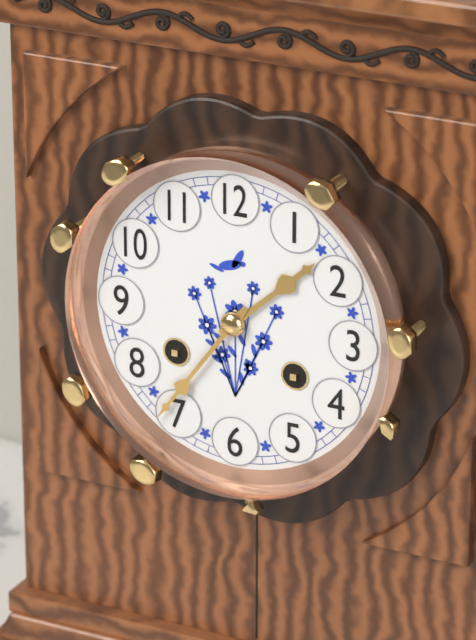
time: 1:36
